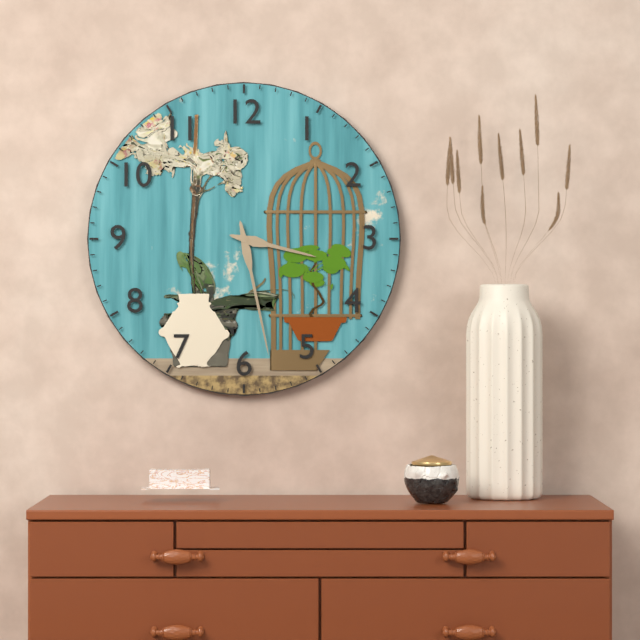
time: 3:28
